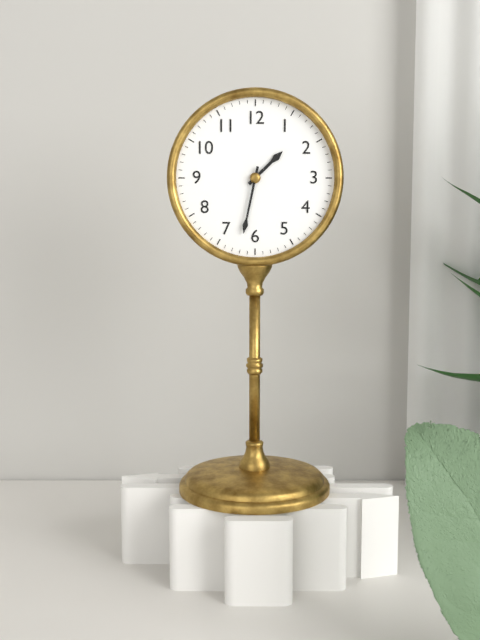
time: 1:32
